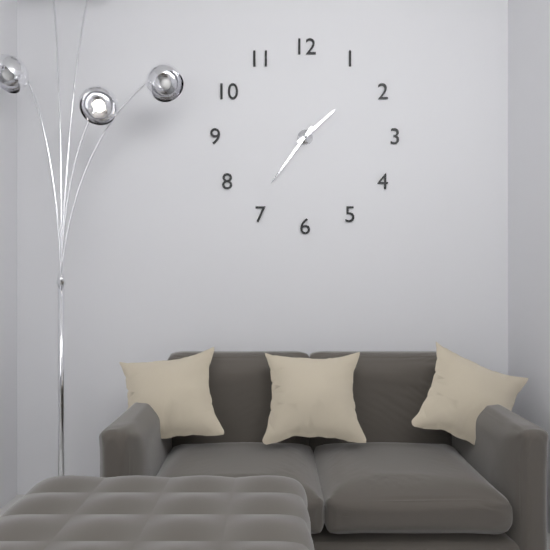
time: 1:36
